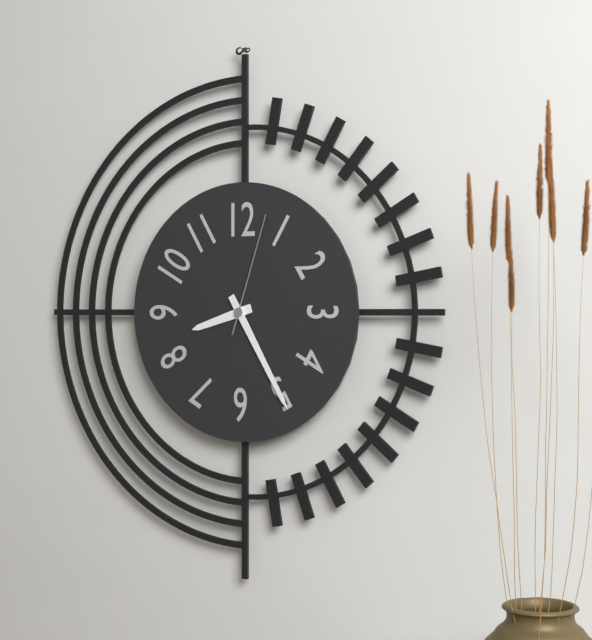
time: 8:25:03
